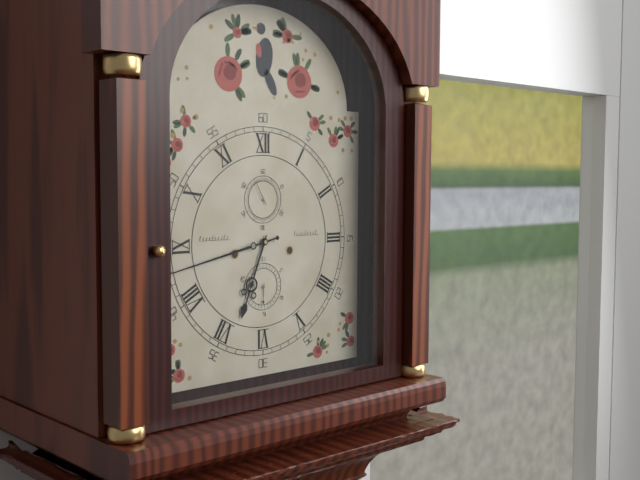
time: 6:43
